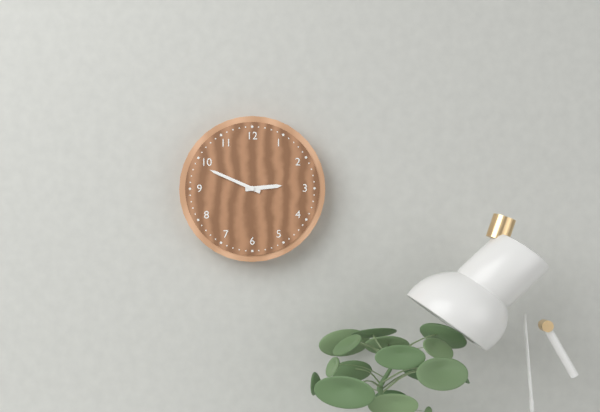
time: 2:49
